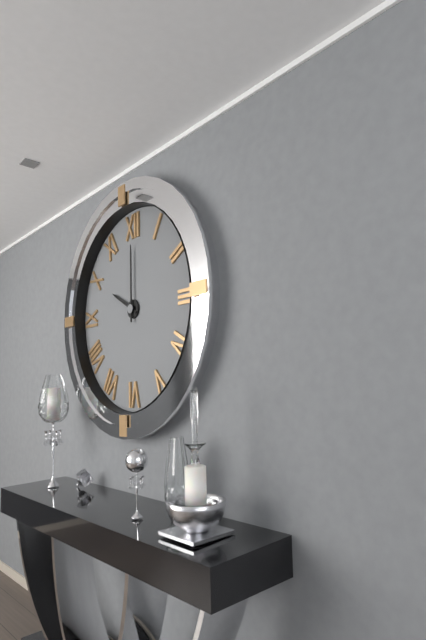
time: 10:00
